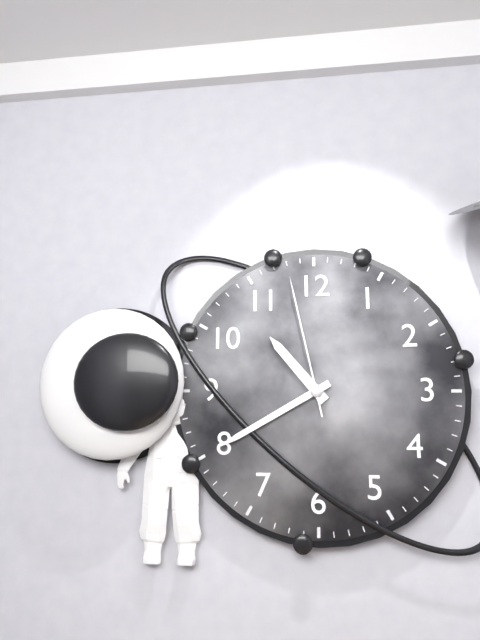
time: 10:40:58
